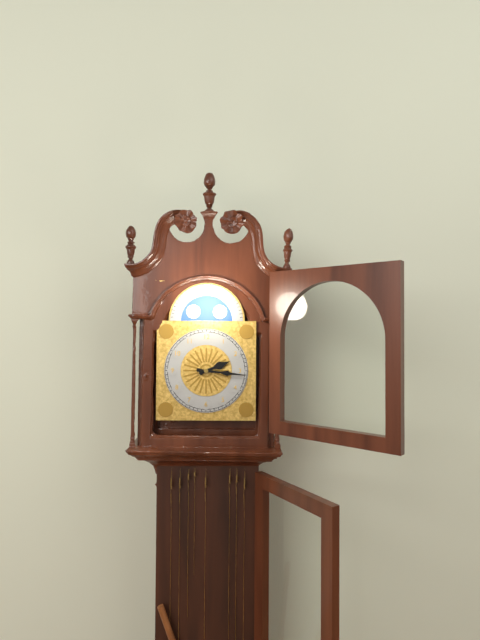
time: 2:16
